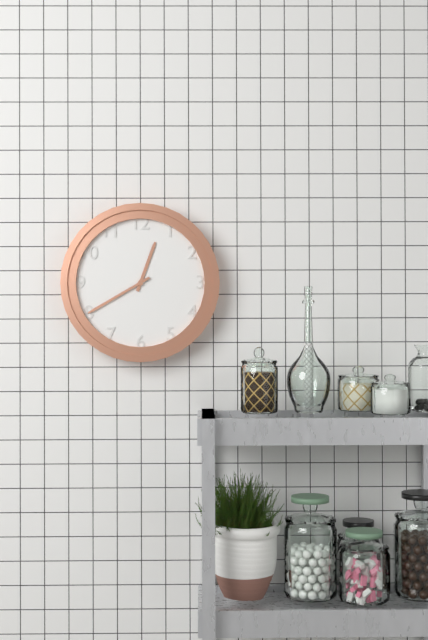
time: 12:40
